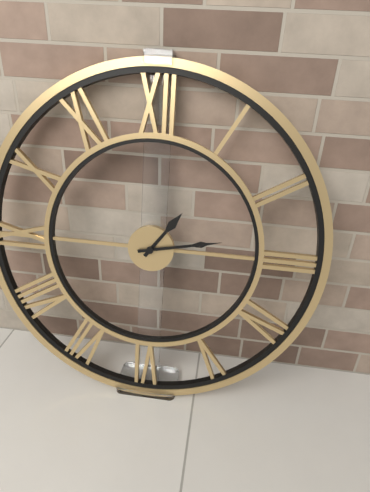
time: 1:13
